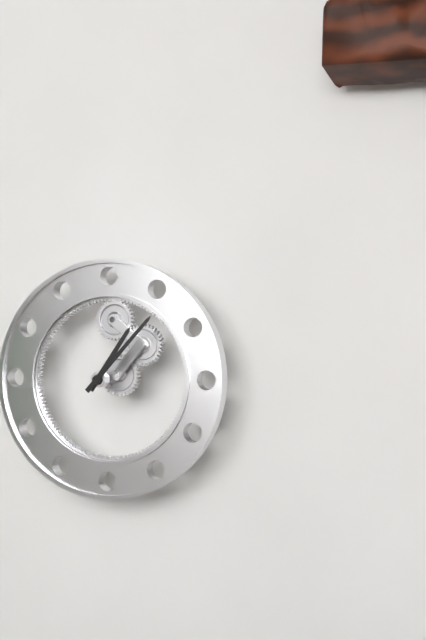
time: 1:07
